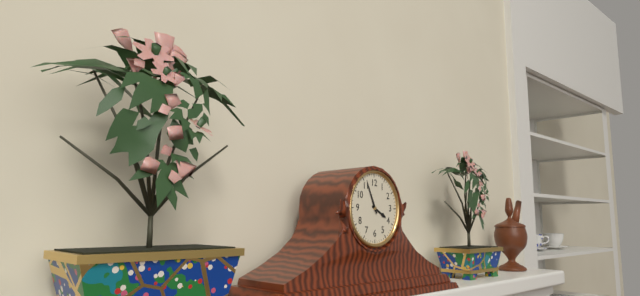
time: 3:56
